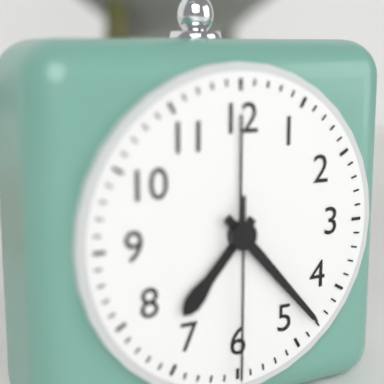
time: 7:23:30
